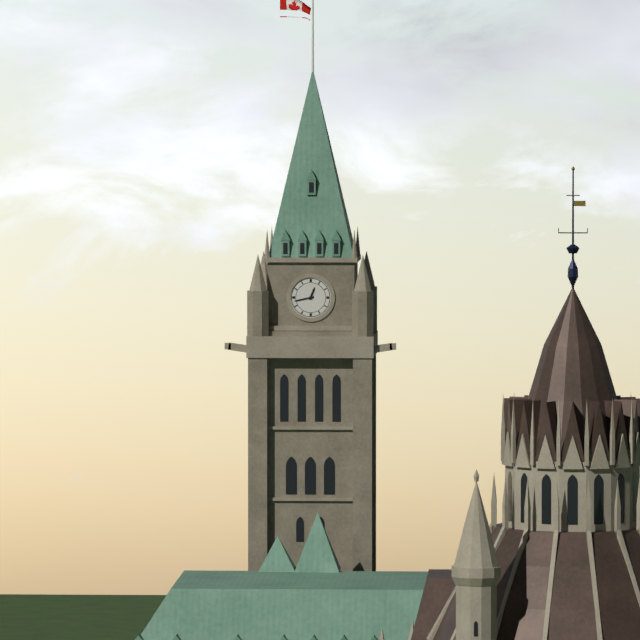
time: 12:43
